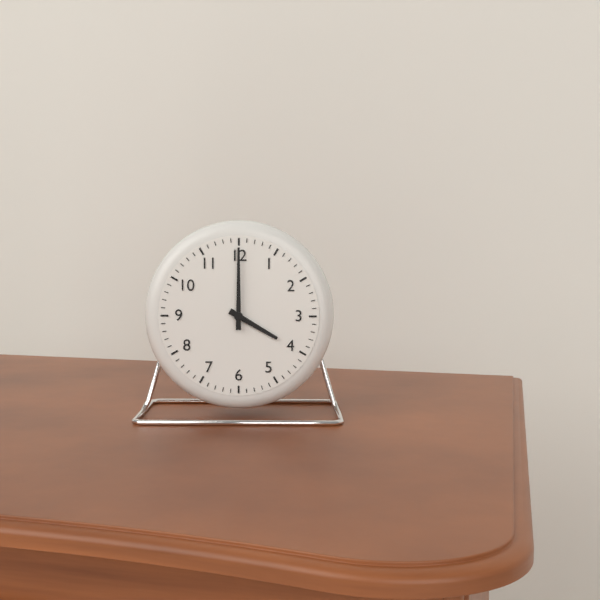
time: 4:00
